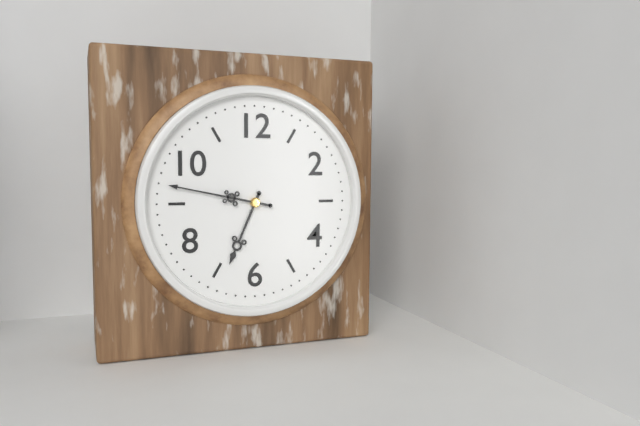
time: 6:47
